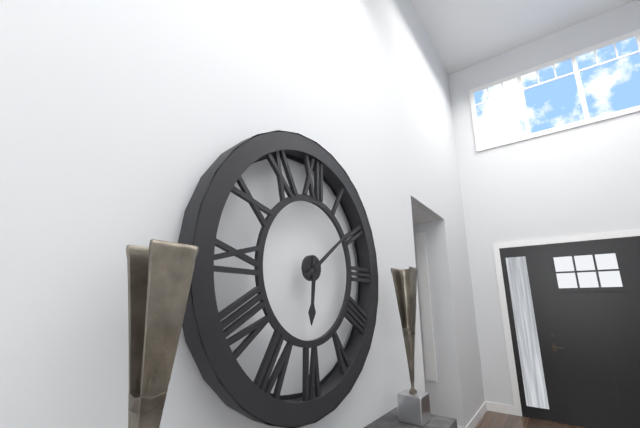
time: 6:09
